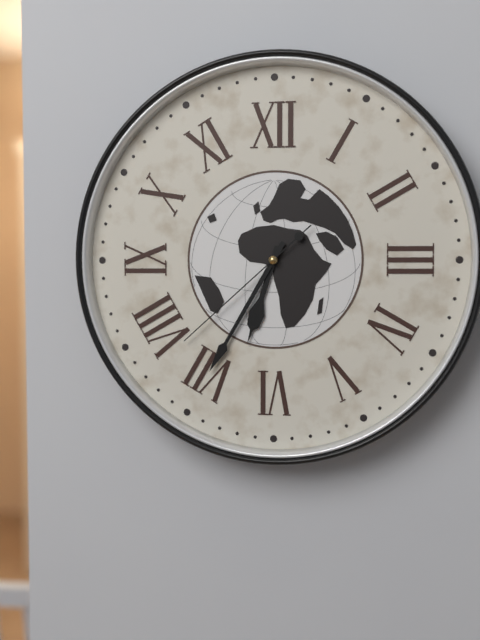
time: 6:35:38
